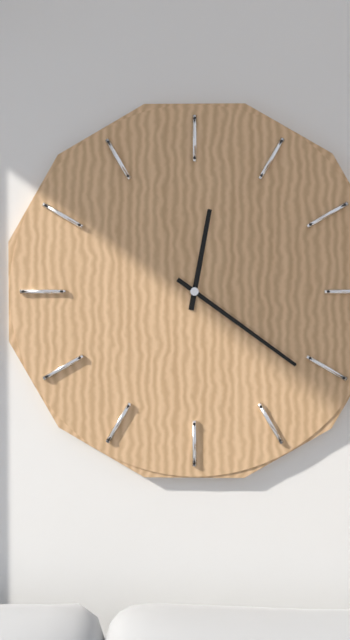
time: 12:21
